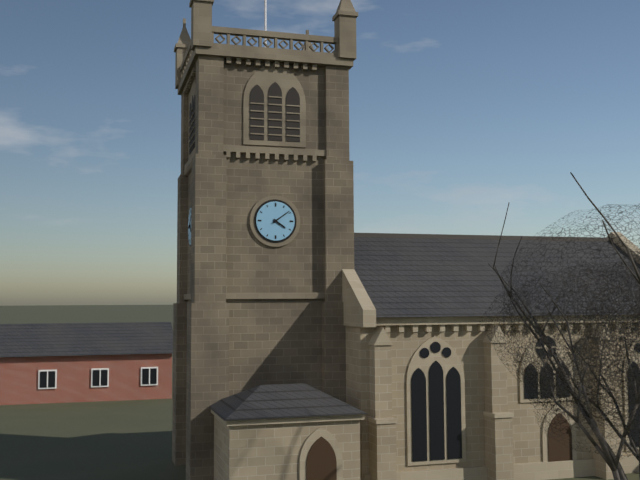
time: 4:09
